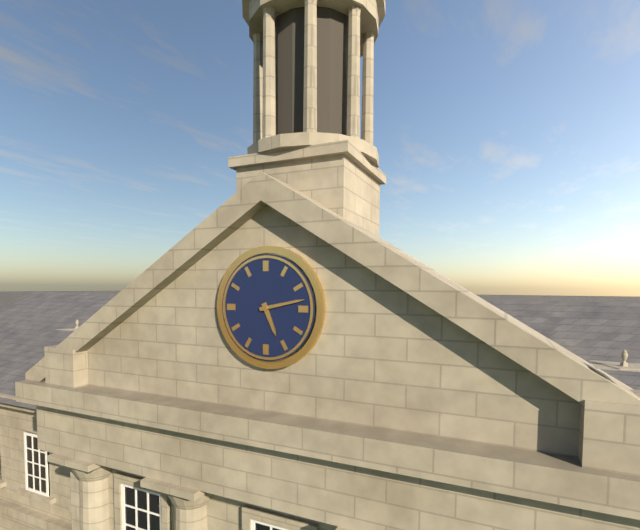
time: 5:13
